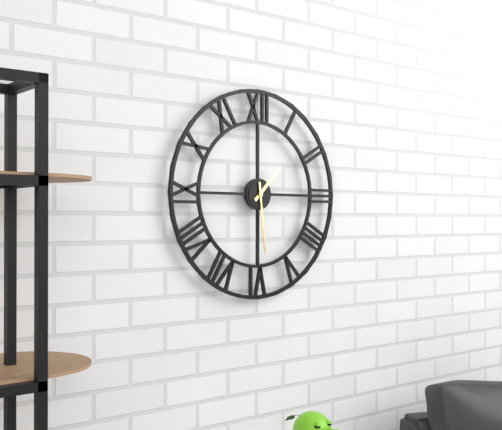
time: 1:29
